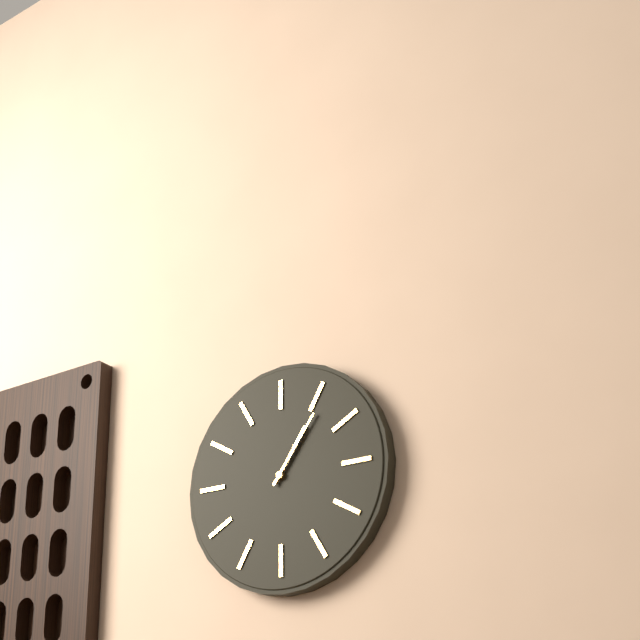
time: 1:06
